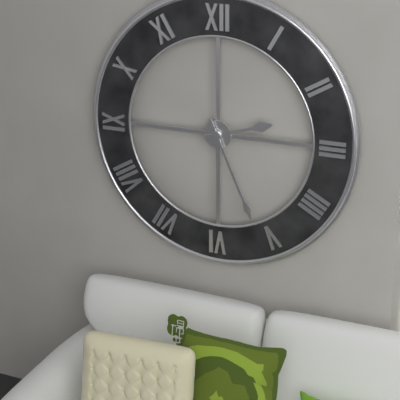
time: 2:26
